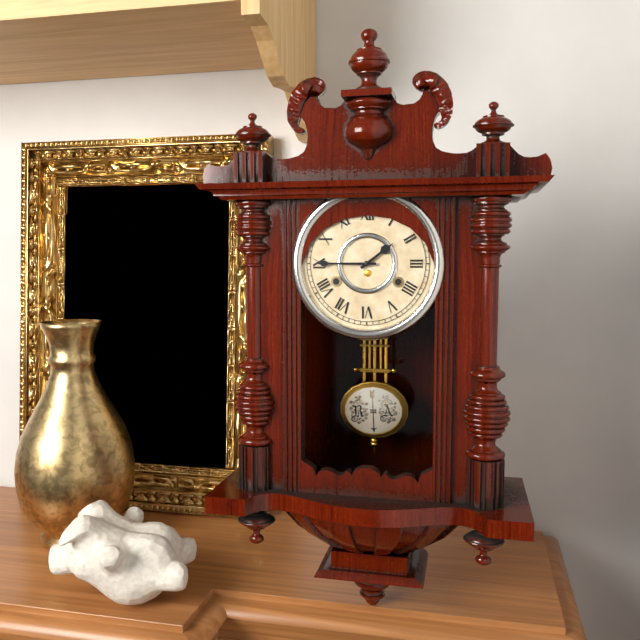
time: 1:45
